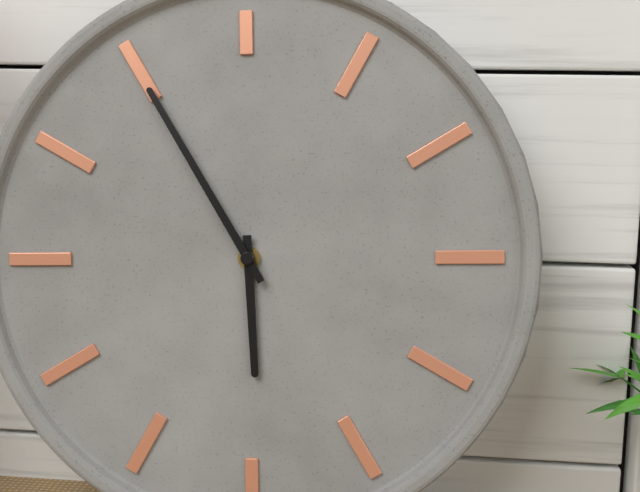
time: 5:55
